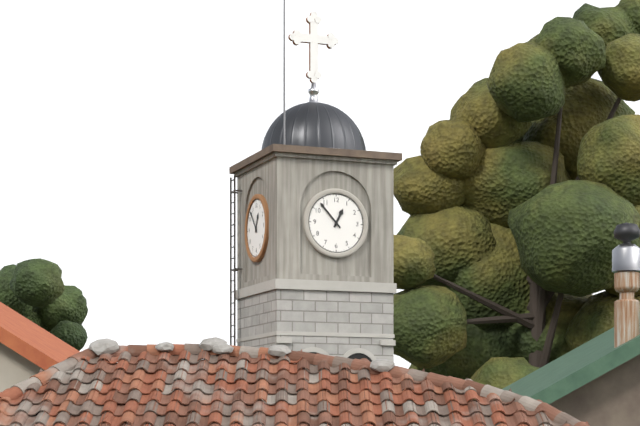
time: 12:53
